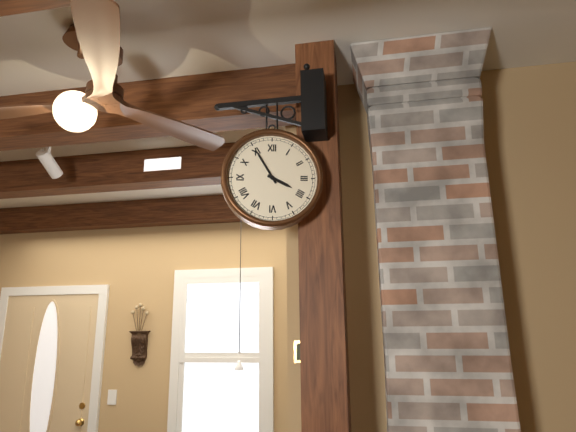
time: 3:55
